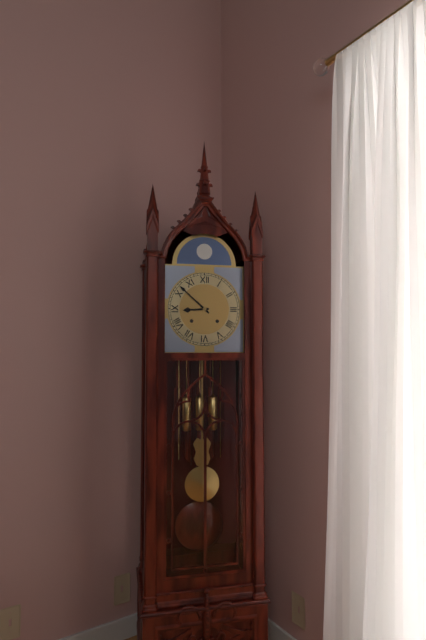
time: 8:52
